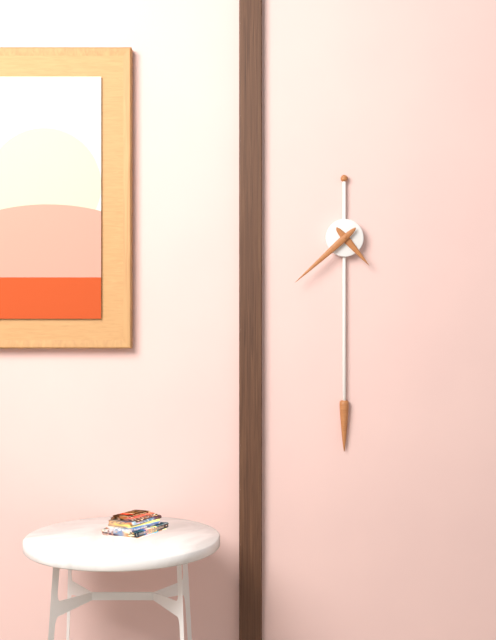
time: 4:38
